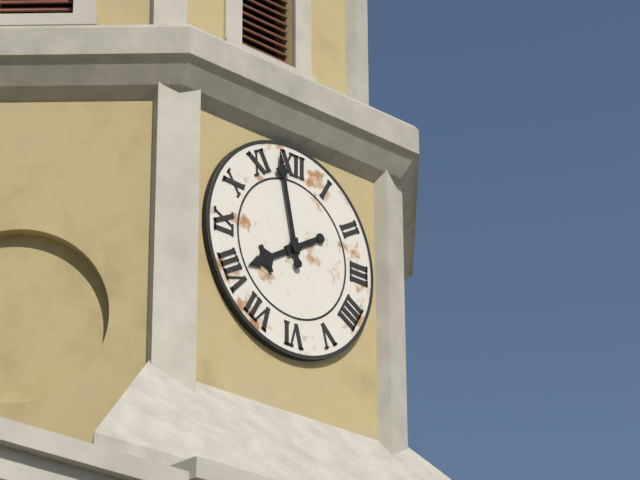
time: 7:58
